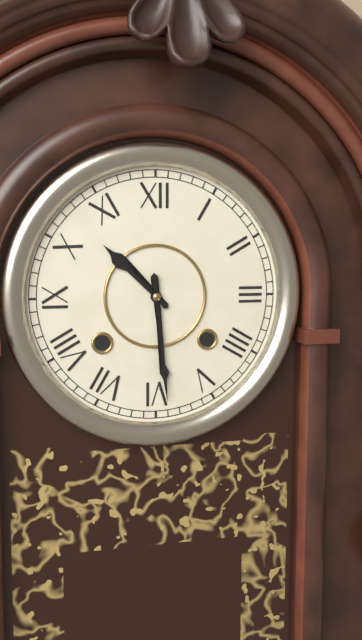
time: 10:29
